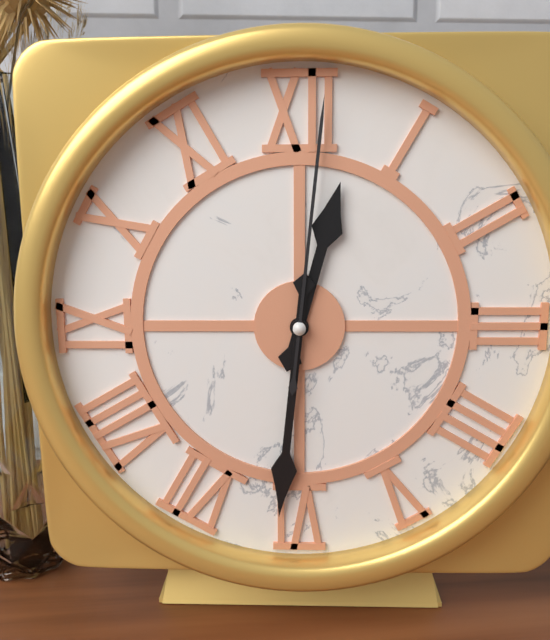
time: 12:31:01
